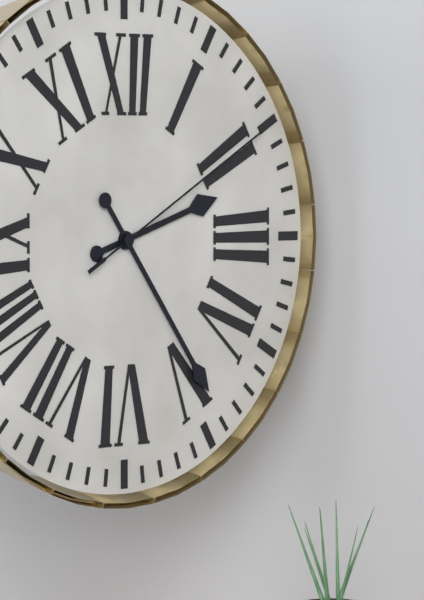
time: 2:24:10
